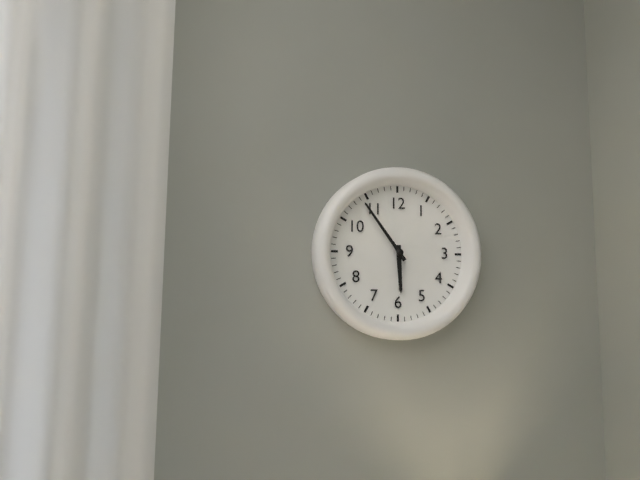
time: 5:54
